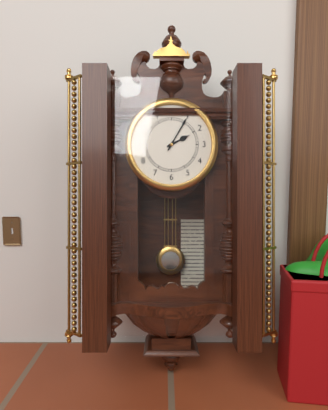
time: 2:05
